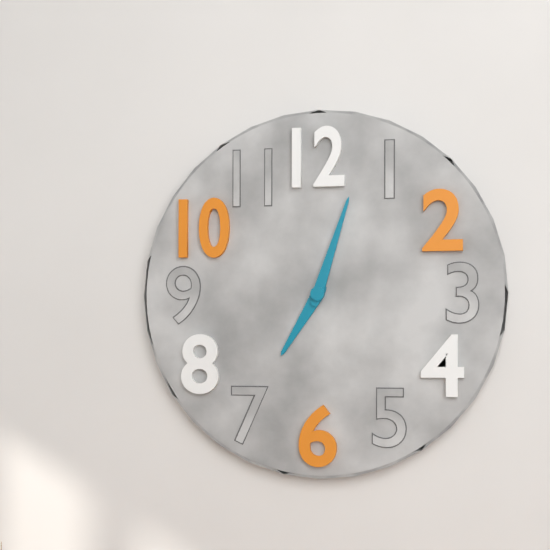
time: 7:03
